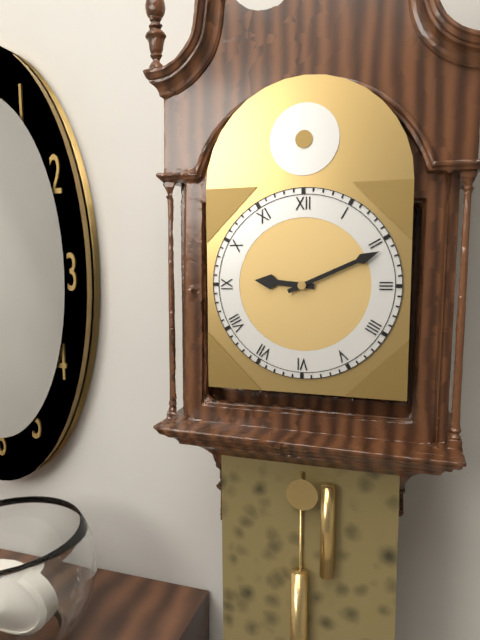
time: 9:11
